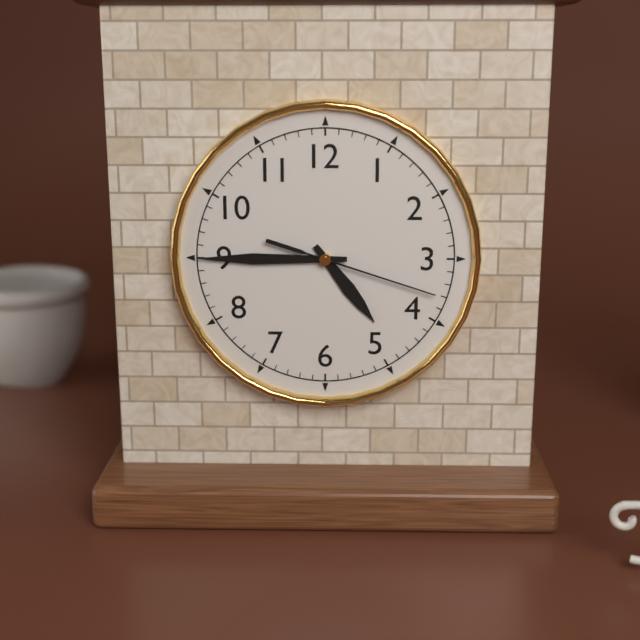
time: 4:45:18
